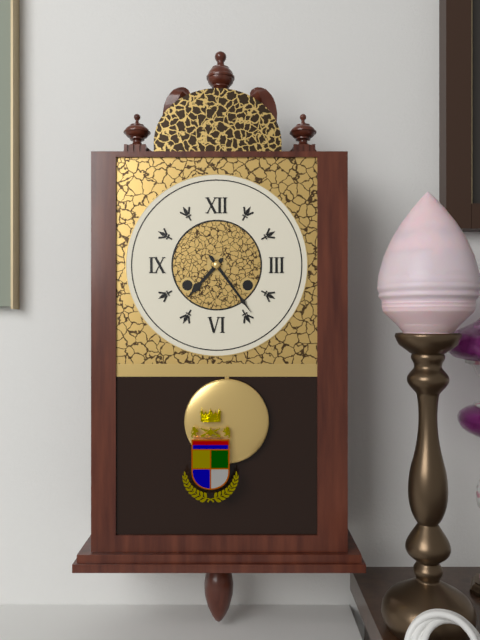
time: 7:24
